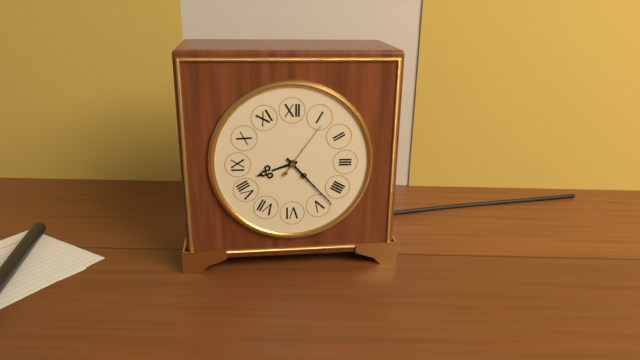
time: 8:23:06
